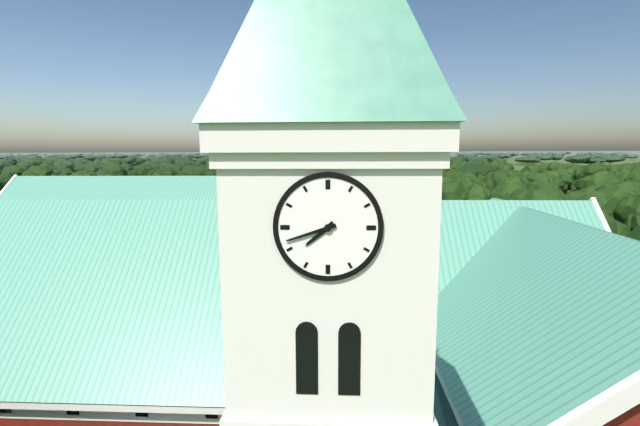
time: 7:42
